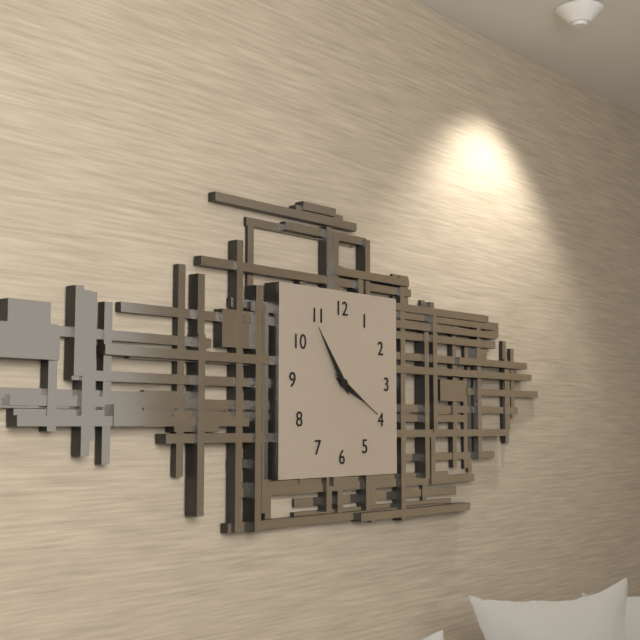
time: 3:54:20
